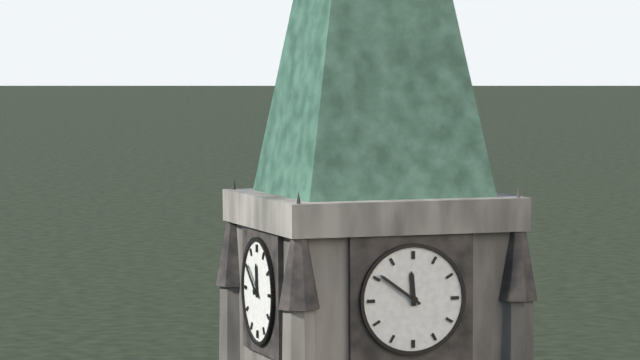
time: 11:51
